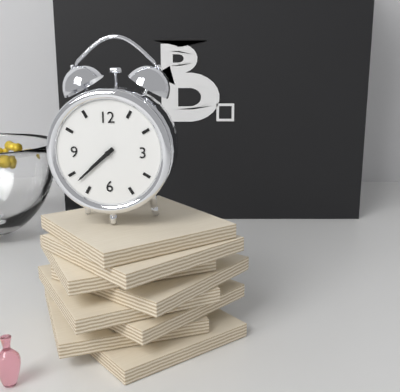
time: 7:38
